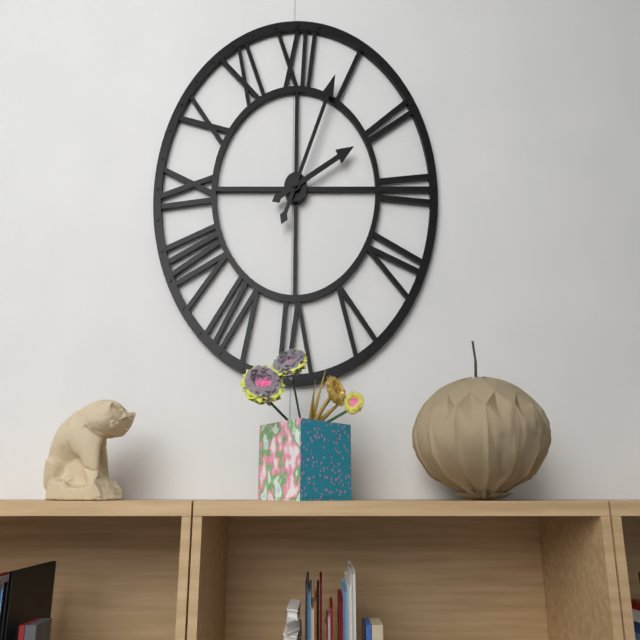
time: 2:04
